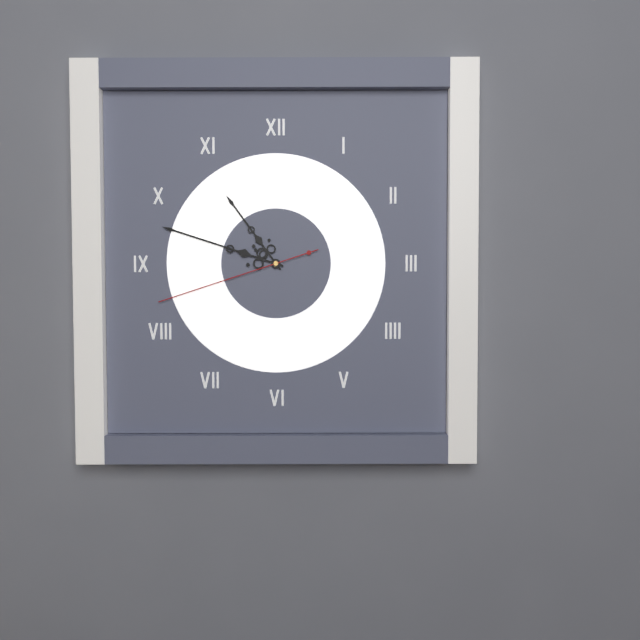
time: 10:48:42
